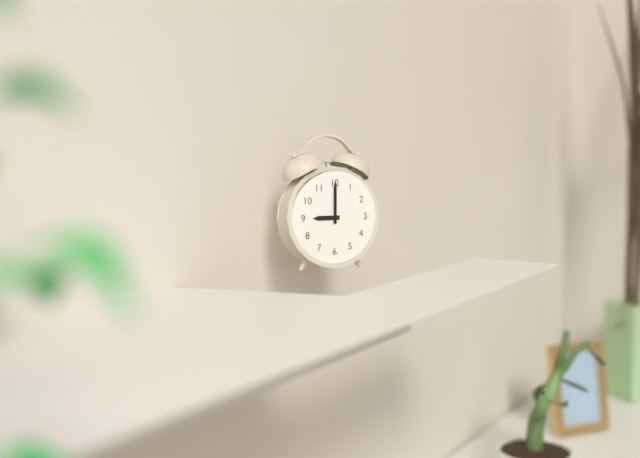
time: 9:00
